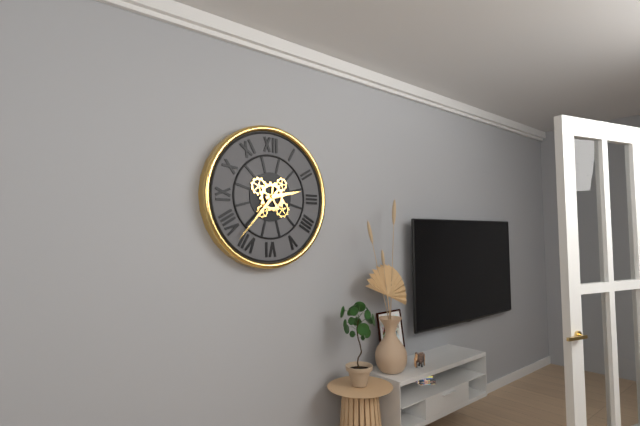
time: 2:37
